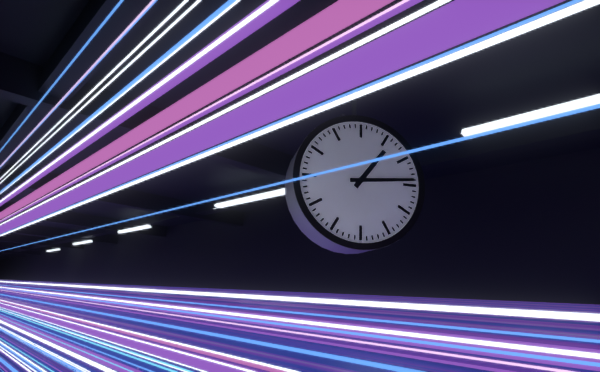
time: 1:14
